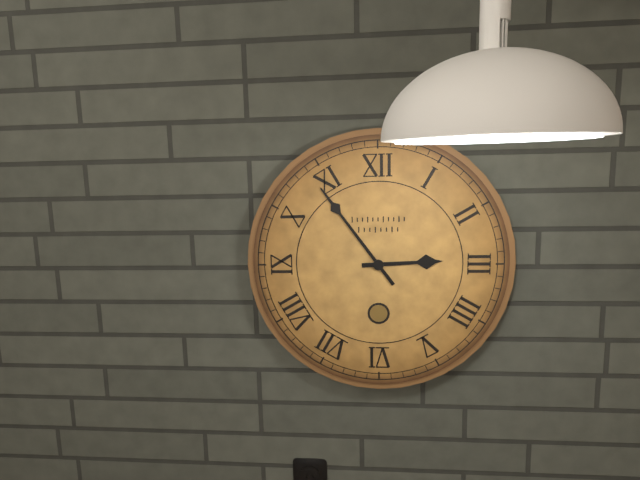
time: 2:54
